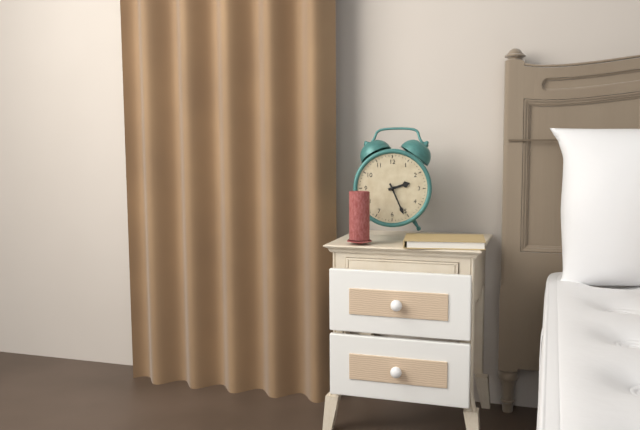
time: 2:26
